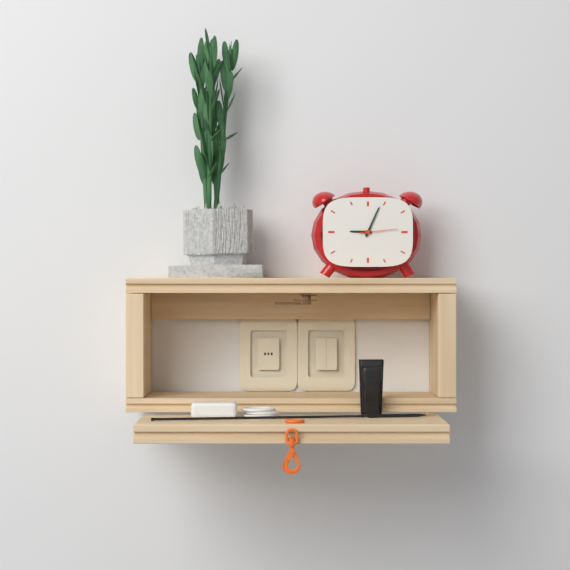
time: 9:04
